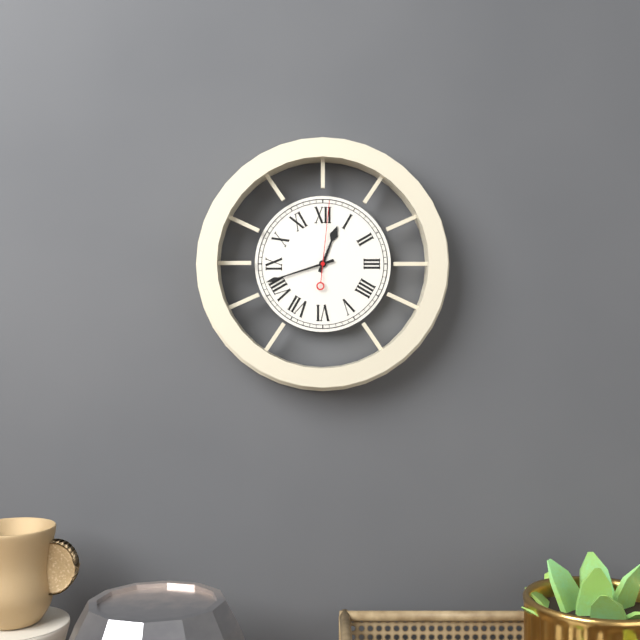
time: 12:42:01
